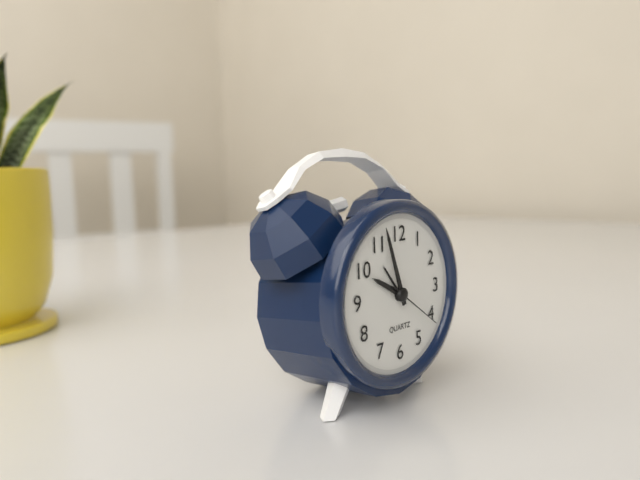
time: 9:57:21
